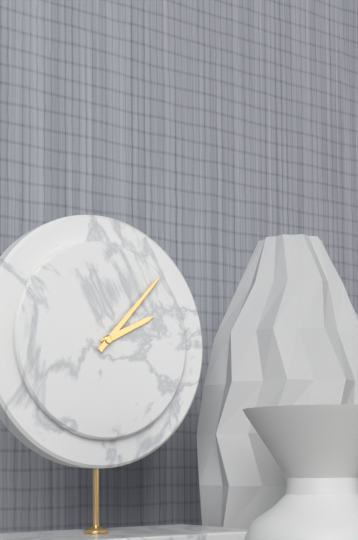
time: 2:07
